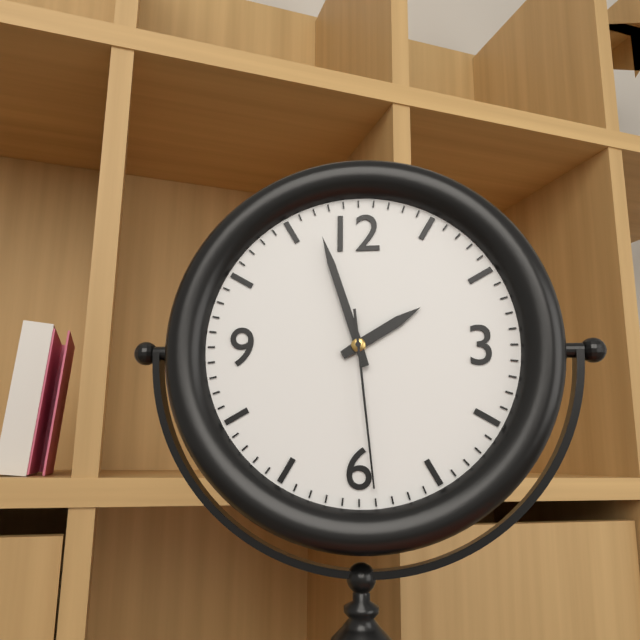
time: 1:57:29
